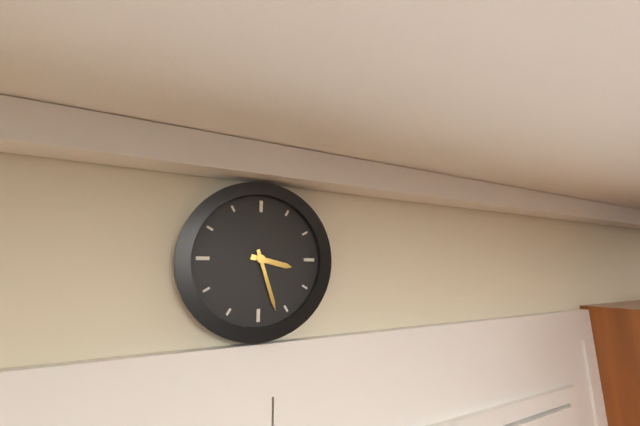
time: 3:27
